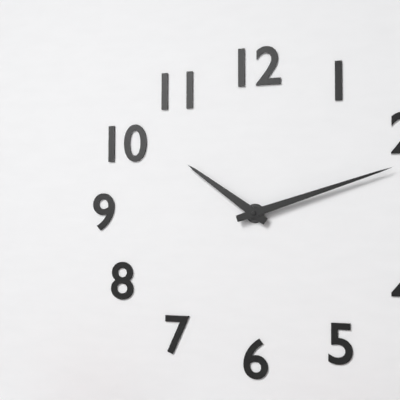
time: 10:12
